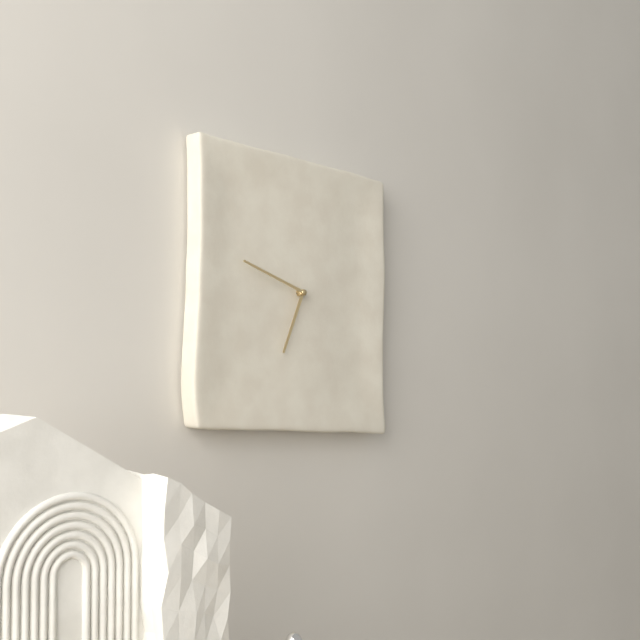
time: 6:48
